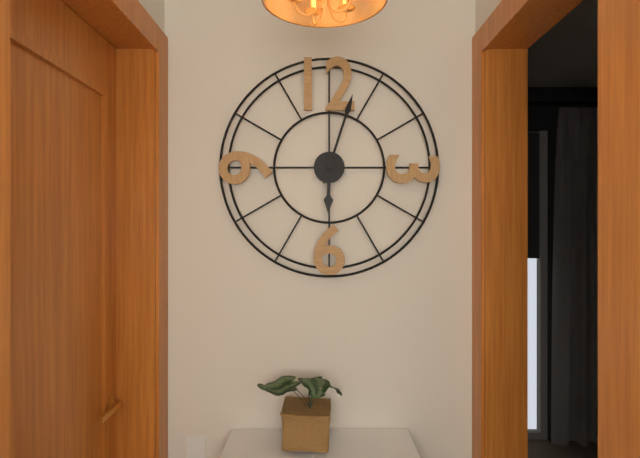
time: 6:03
